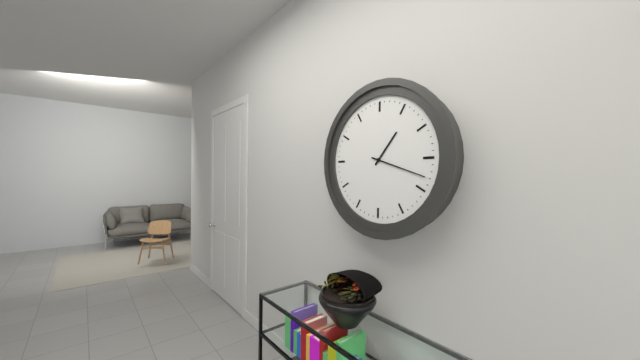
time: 1:18
